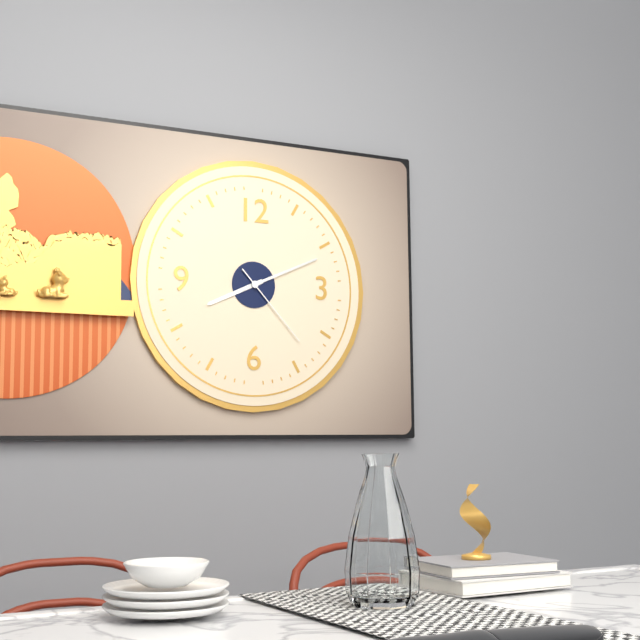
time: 8:11:23
